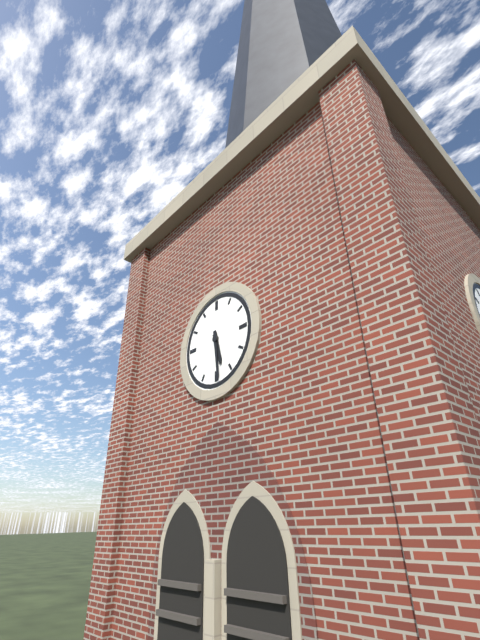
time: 5:29
